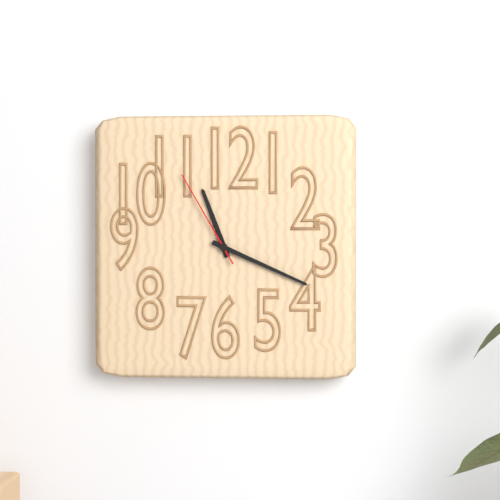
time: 11:19:55
